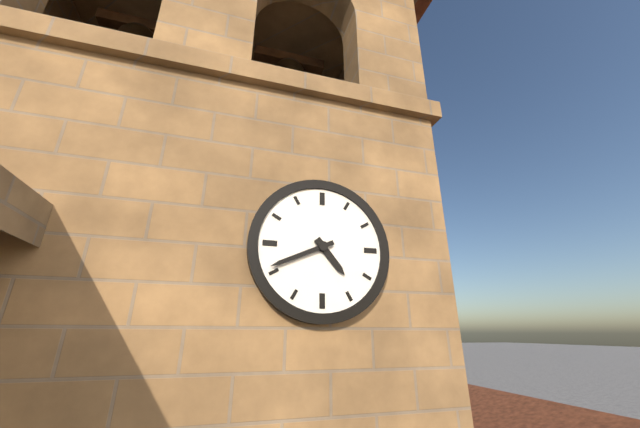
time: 4:41
